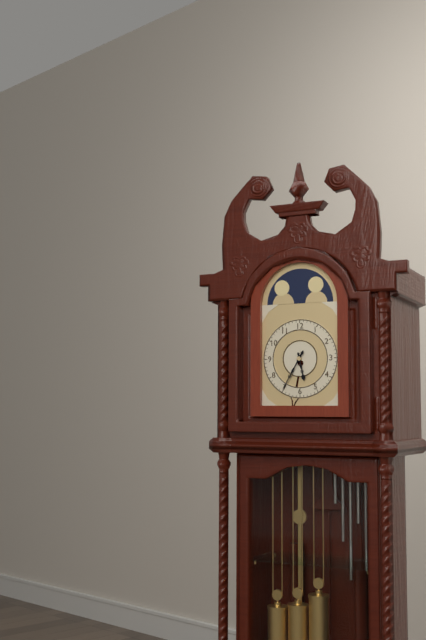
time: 5:35
